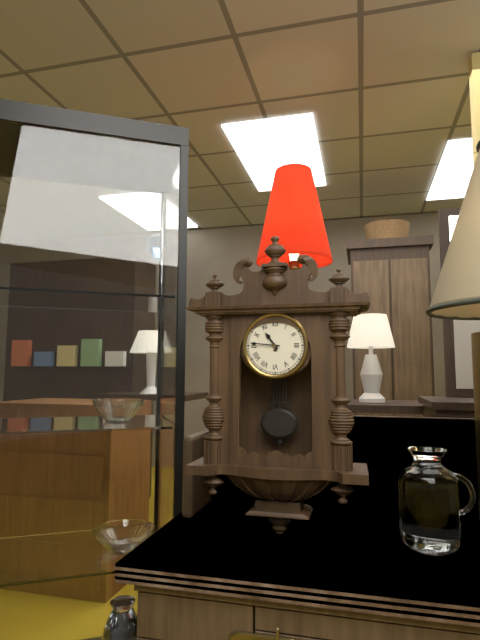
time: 10:46
